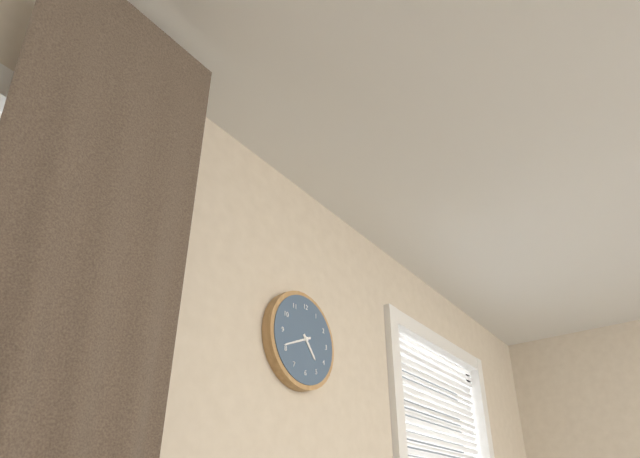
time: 4:41
